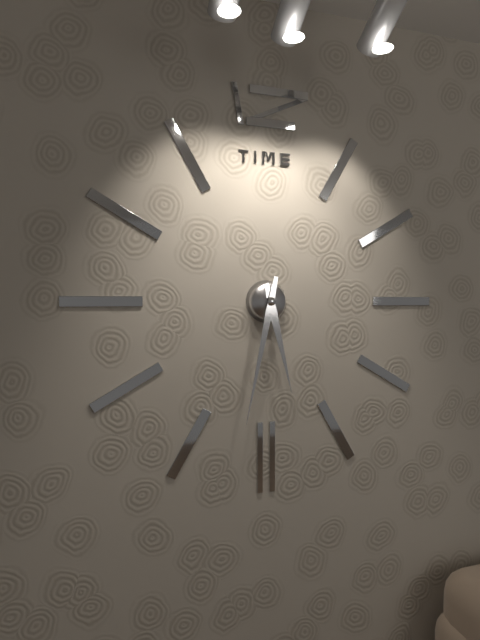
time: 5:32
